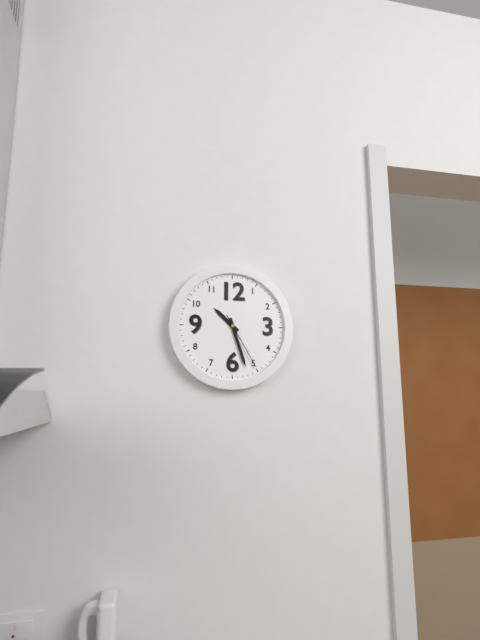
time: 10:27:25
